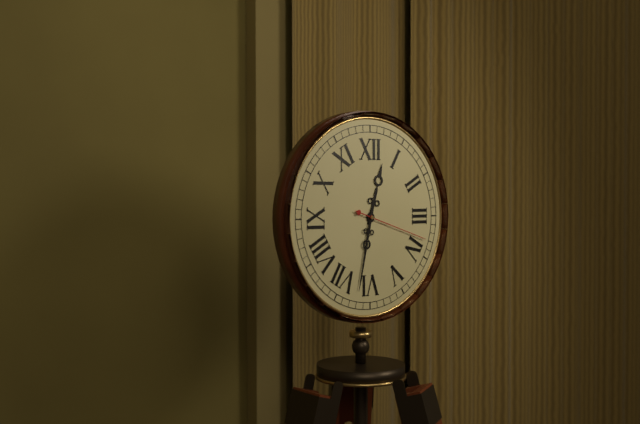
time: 12:32:18
